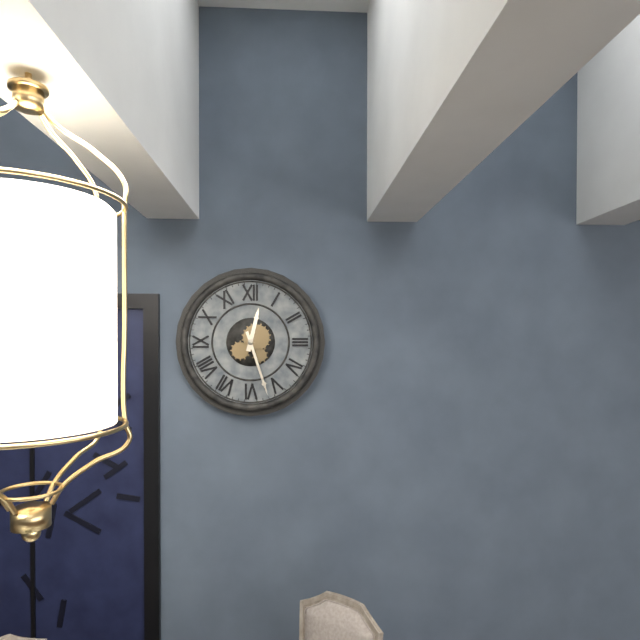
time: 12:27
